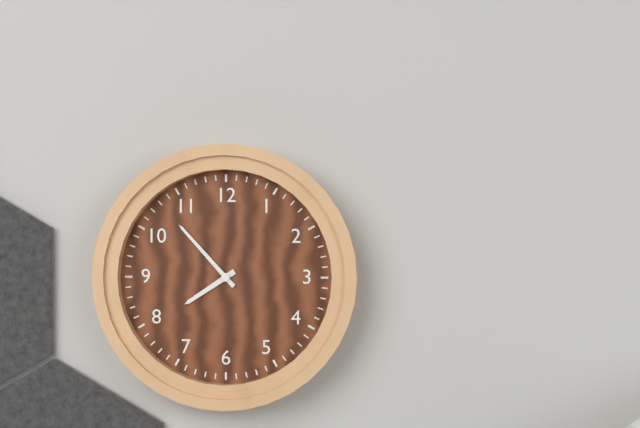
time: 7:53
